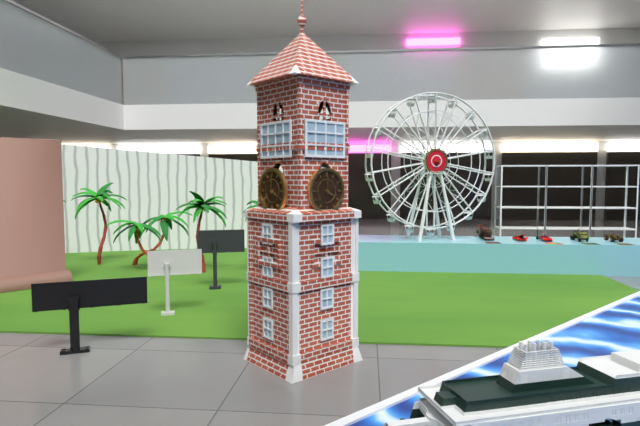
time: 4:00
